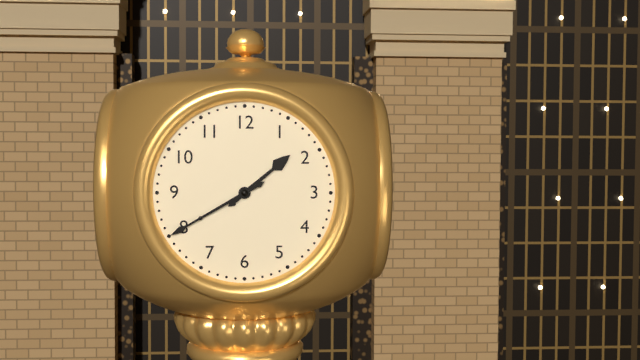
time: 1:40
